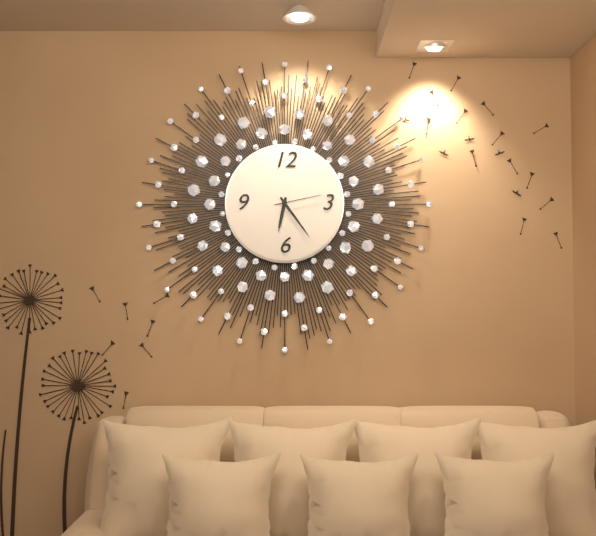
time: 6:24
